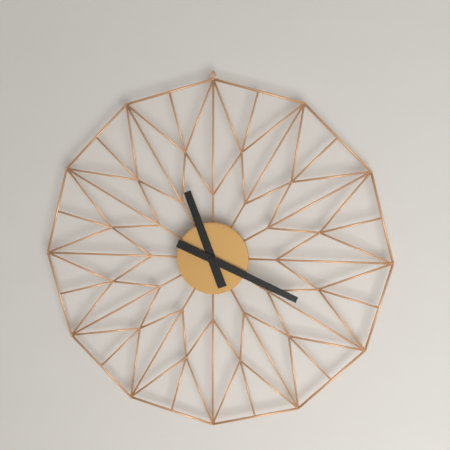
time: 11:19
